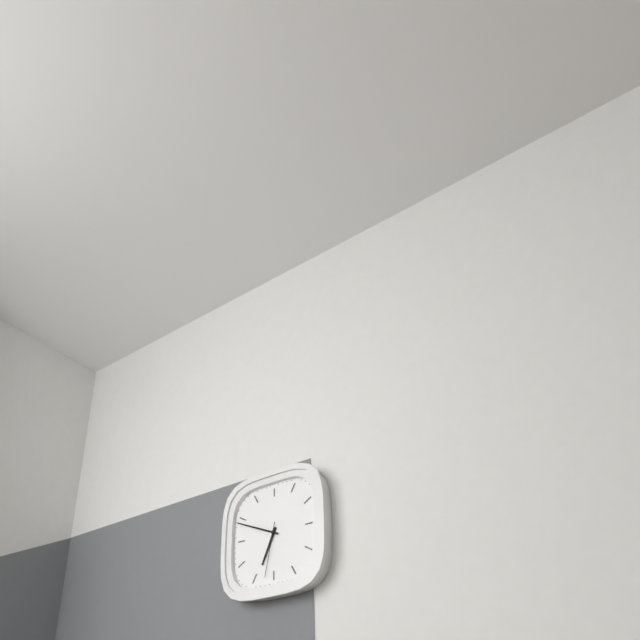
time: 6:49:32
